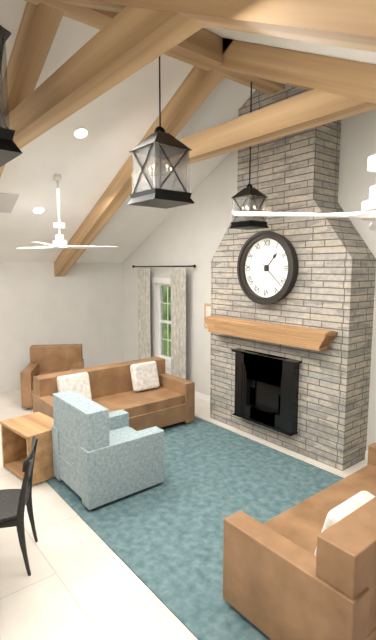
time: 1:22
